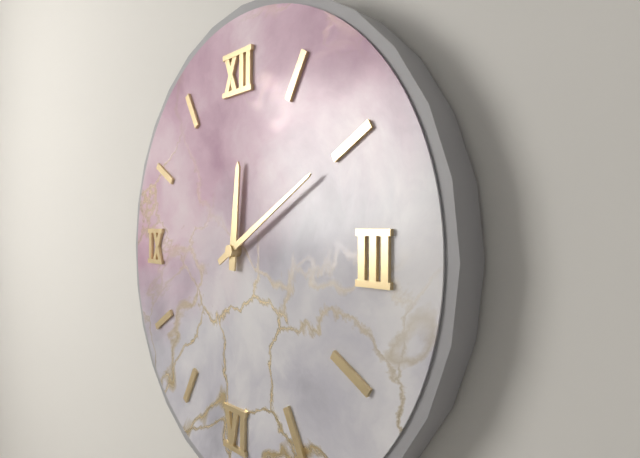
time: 12:10
